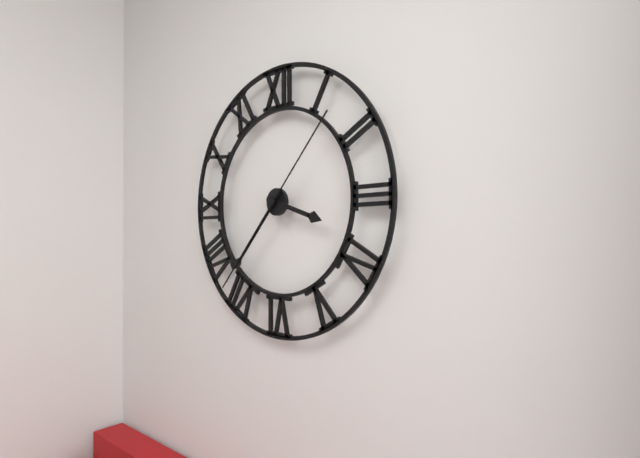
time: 3:37:37
